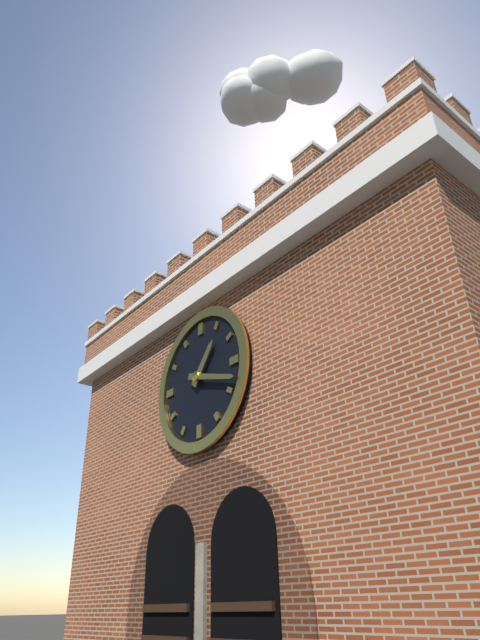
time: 1:18
